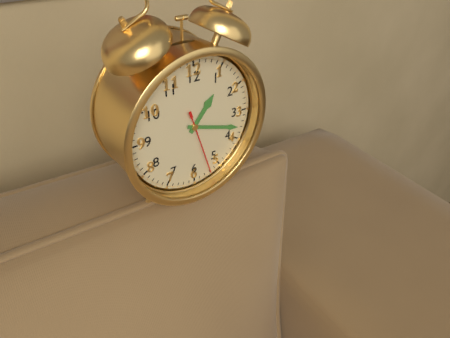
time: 1:18:27
